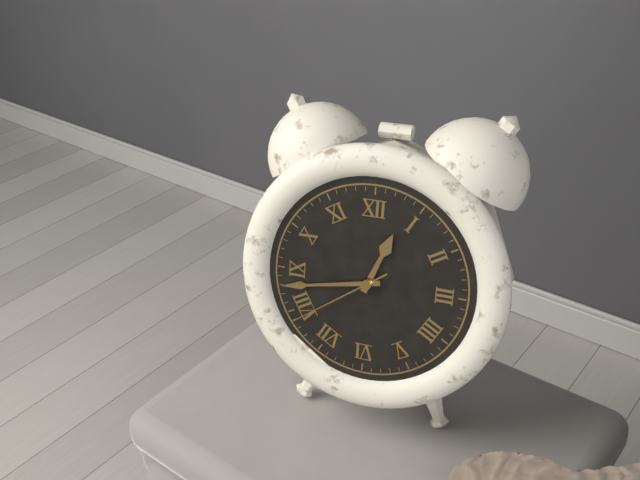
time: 12:43:39
